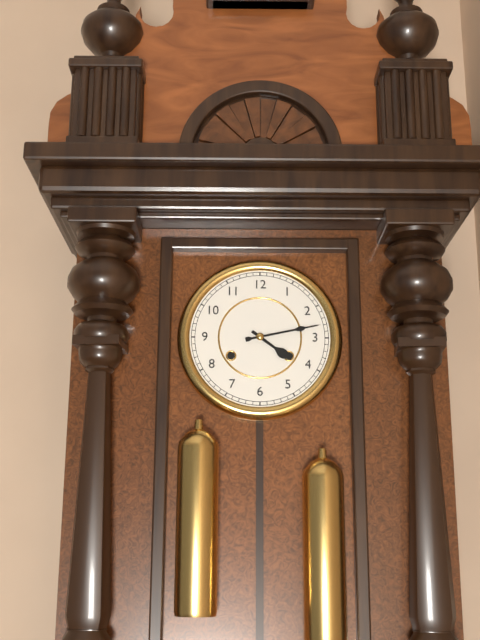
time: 4:13
